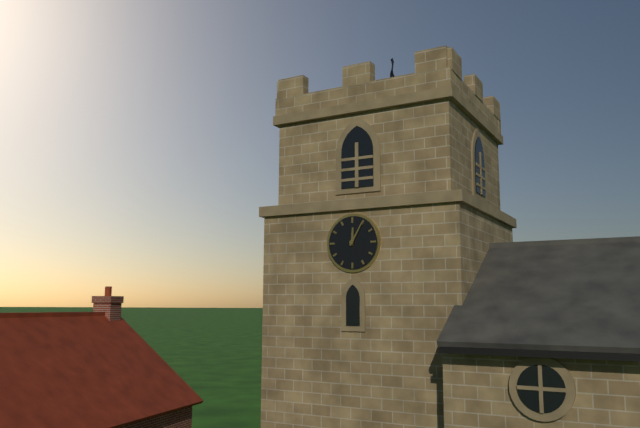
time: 12:05
